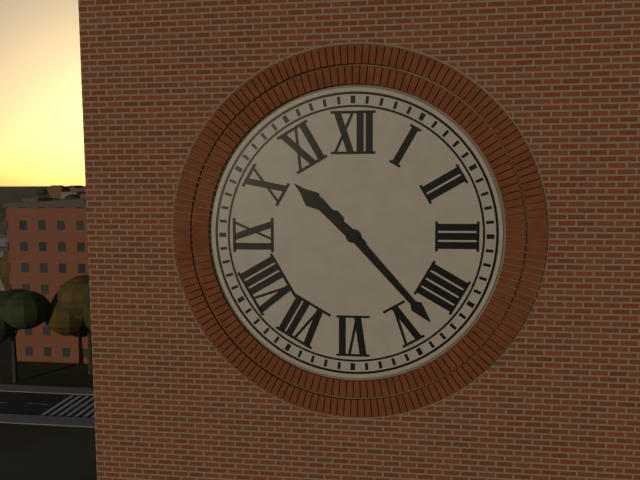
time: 10:23
